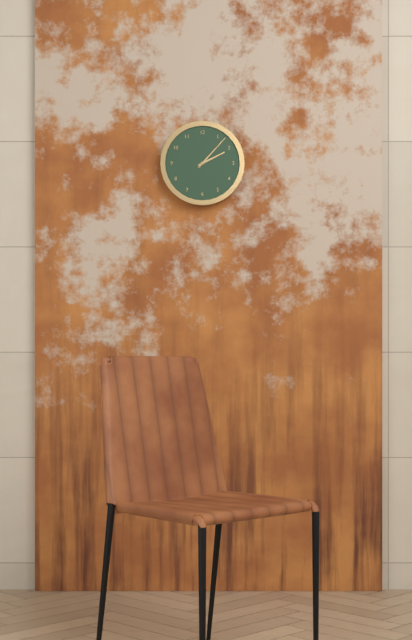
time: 2:07
